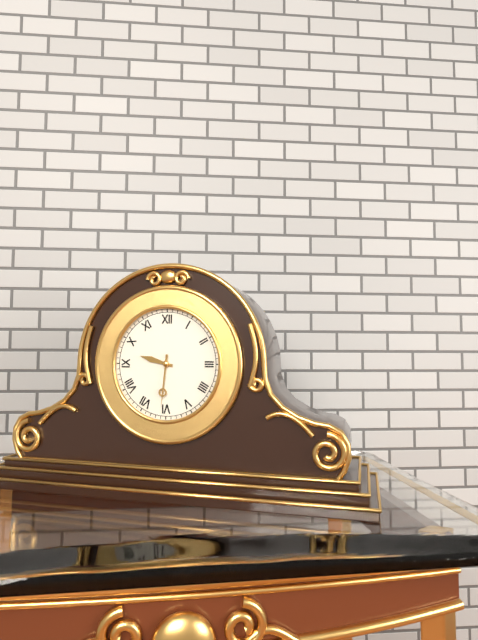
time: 9:31
